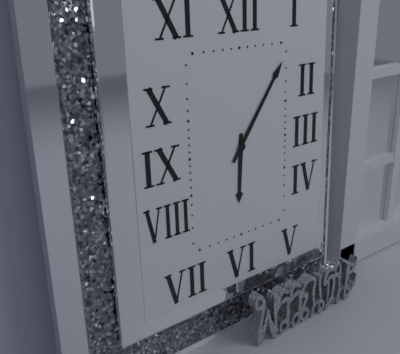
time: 6:06
